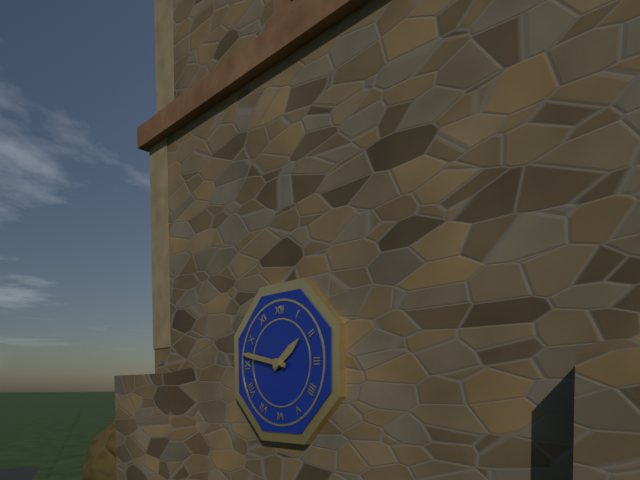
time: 1:47
